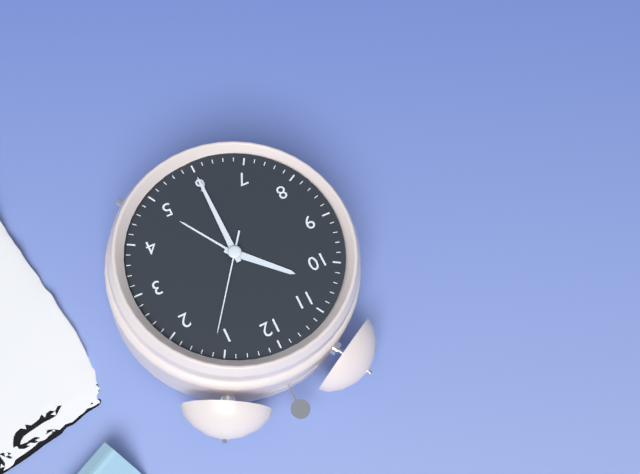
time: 10:30:06
